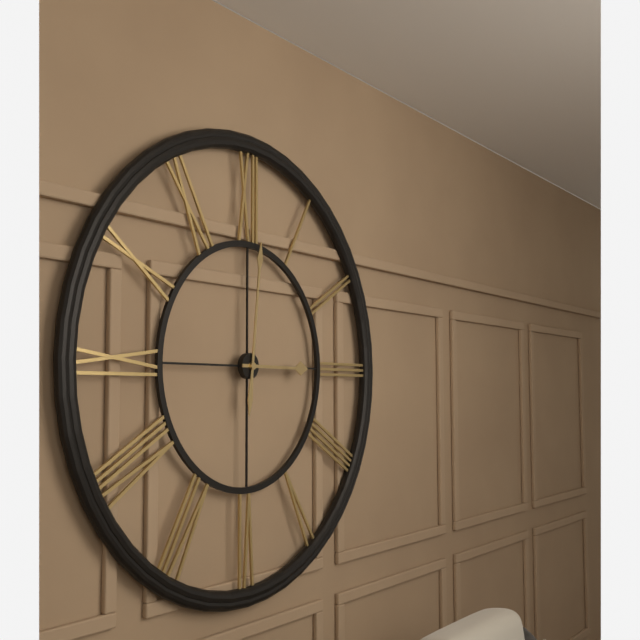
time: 3:01
